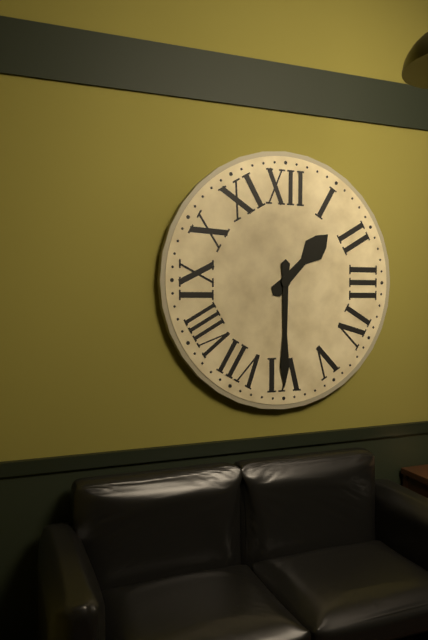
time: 1:30
